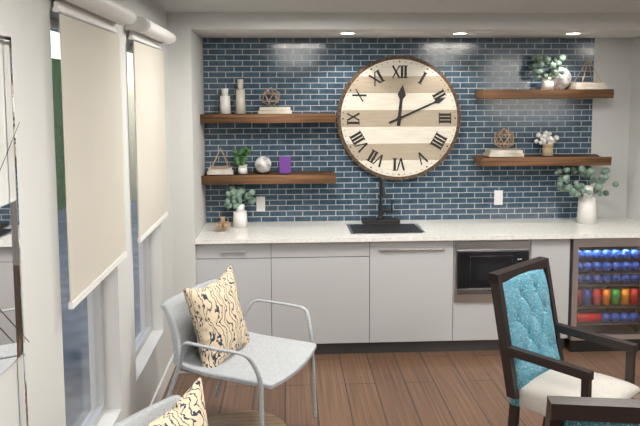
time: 12:11
